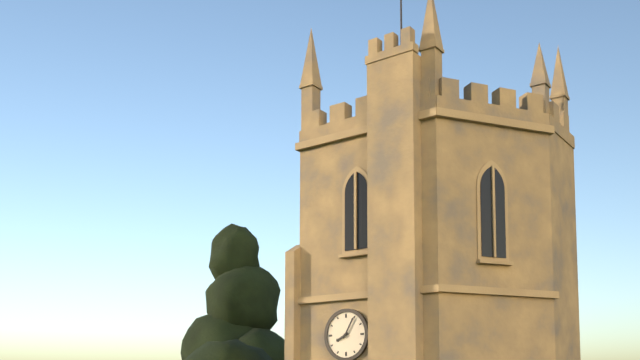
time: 8:05
